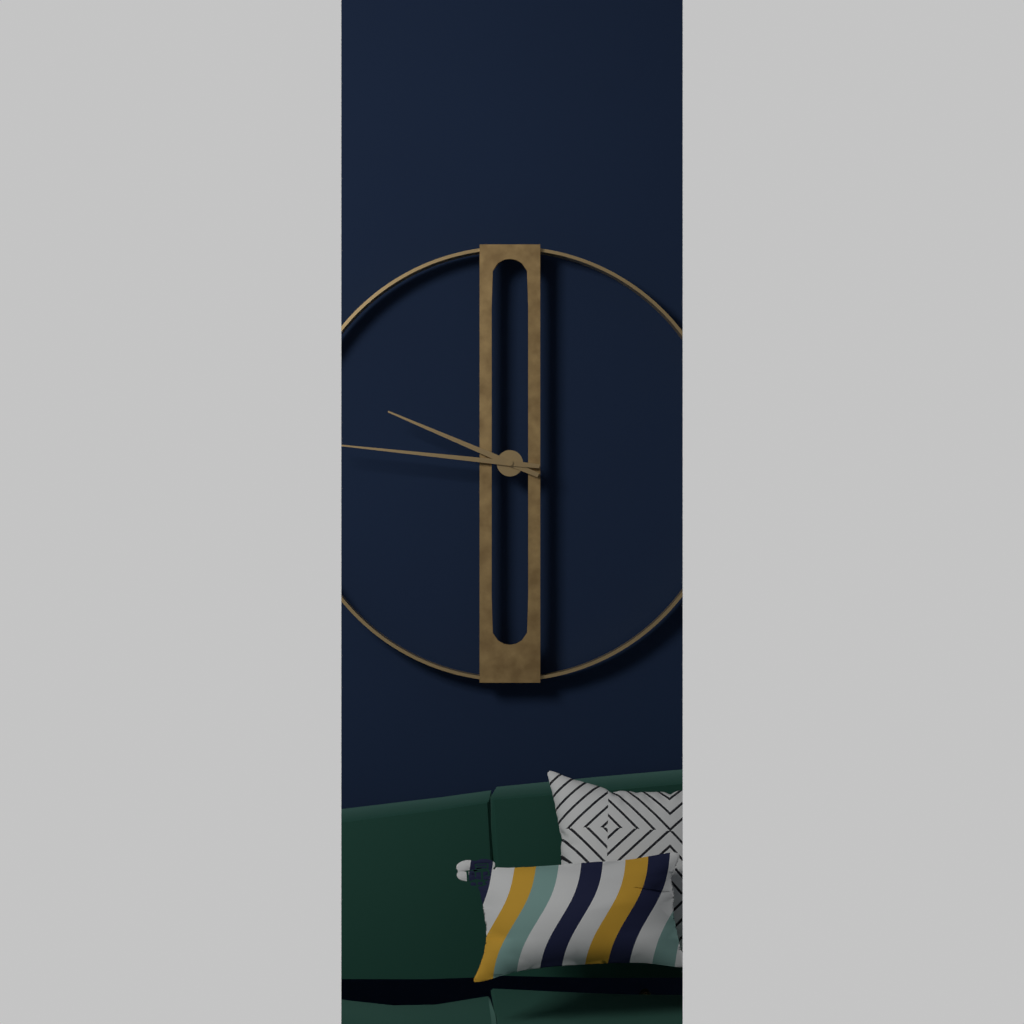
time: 9:46
